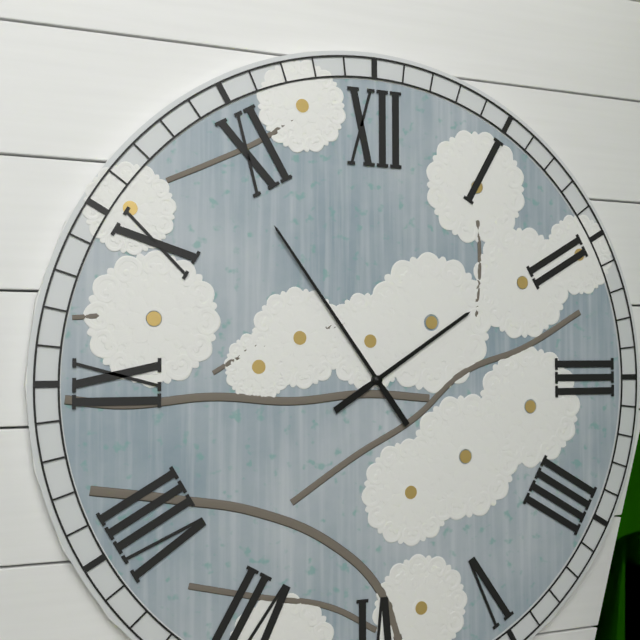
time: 1:54
